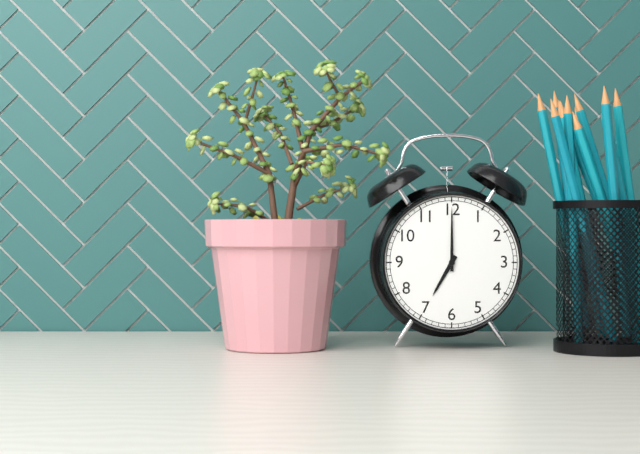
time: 7:00
